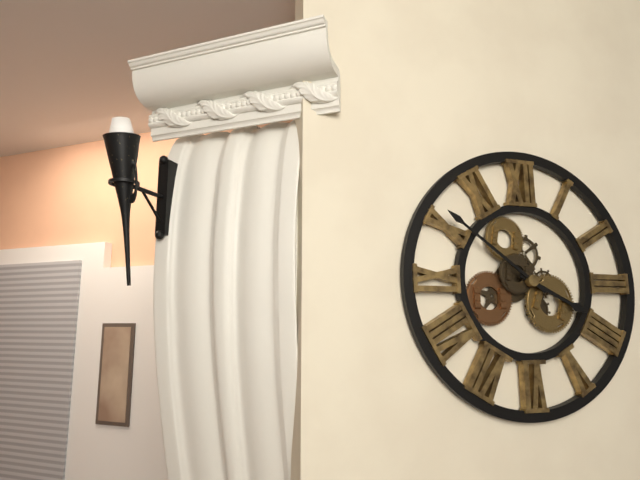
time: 3:51
